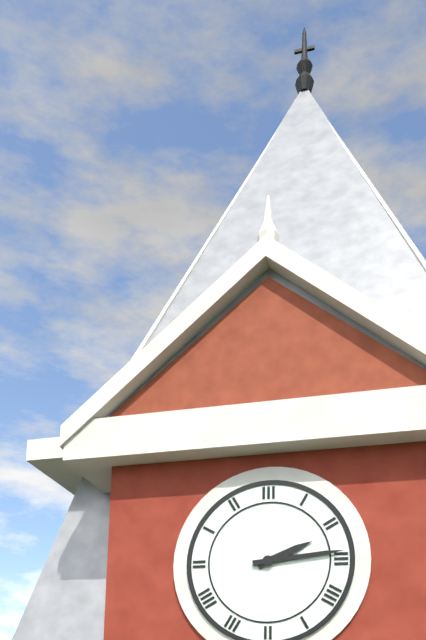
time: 2:14
